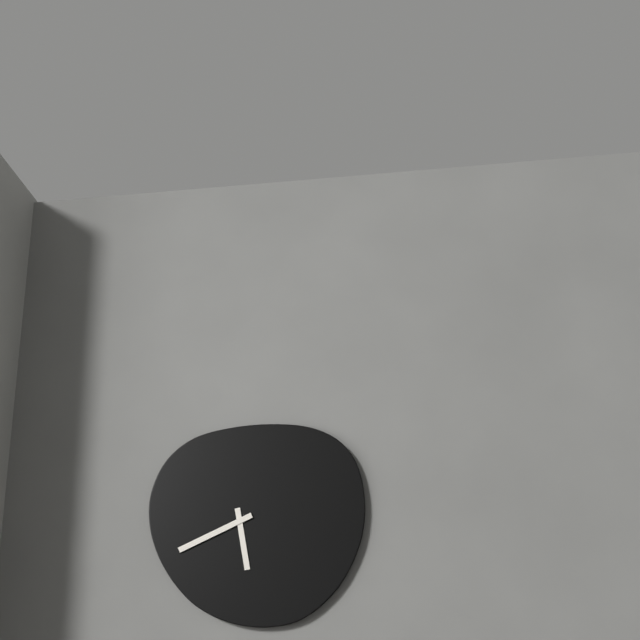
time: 5:41
